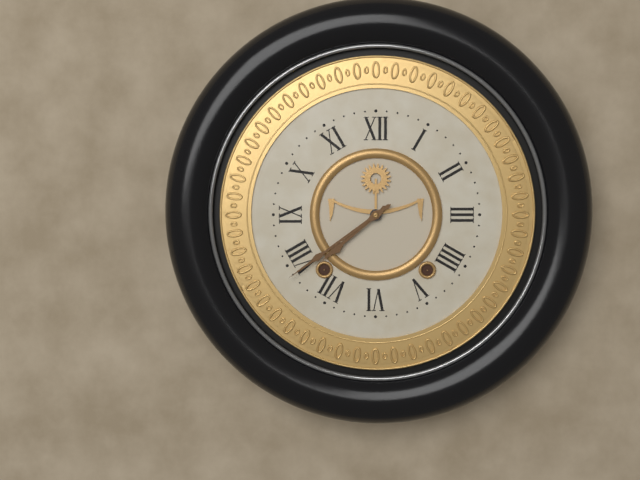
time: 7:39
